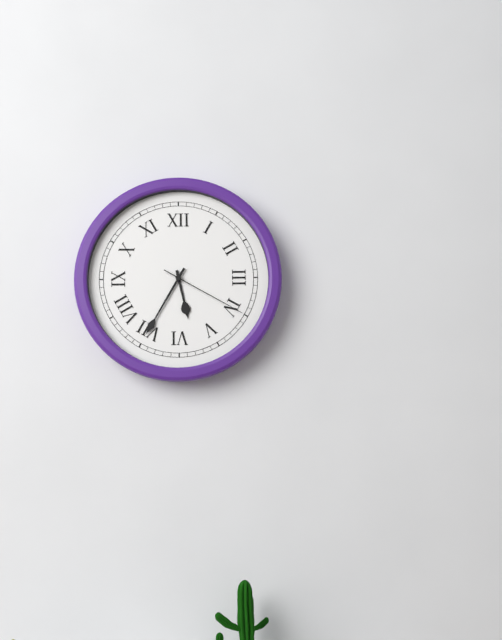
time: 5:35:20
